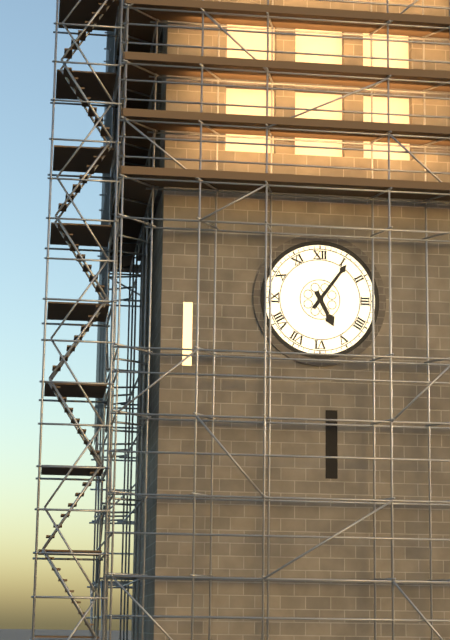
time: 5:06
